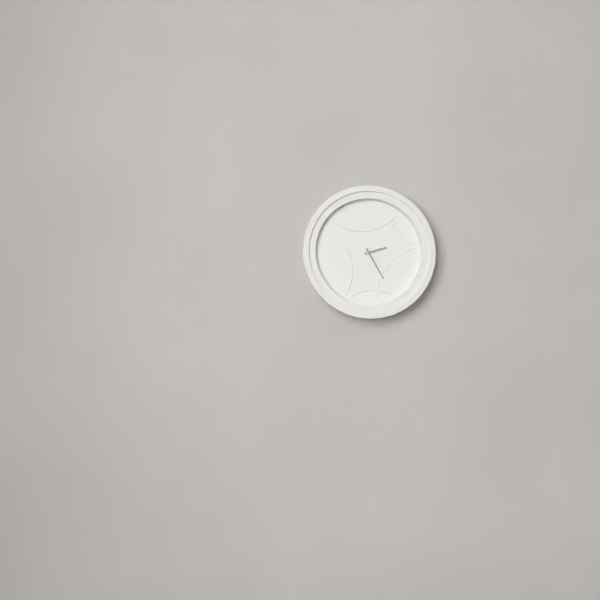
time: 2:25
